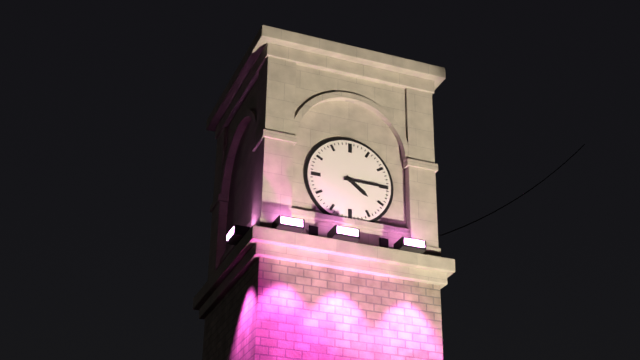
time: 4:15
